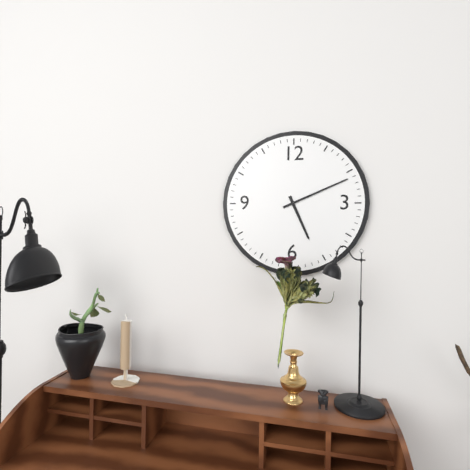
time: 5:11
